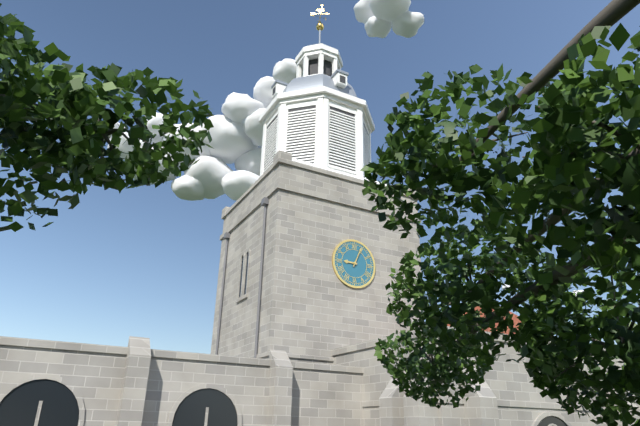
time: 9:04
